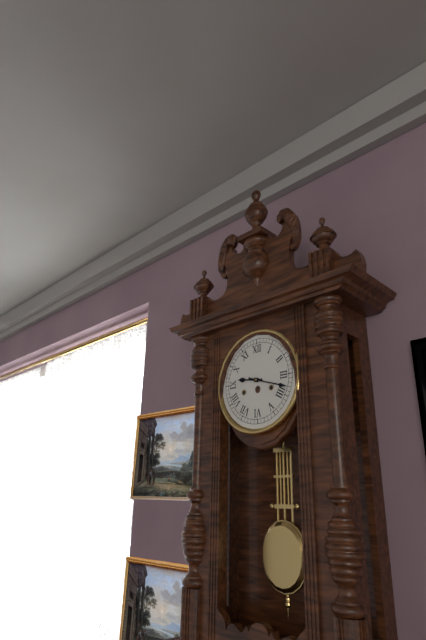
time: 9:18
